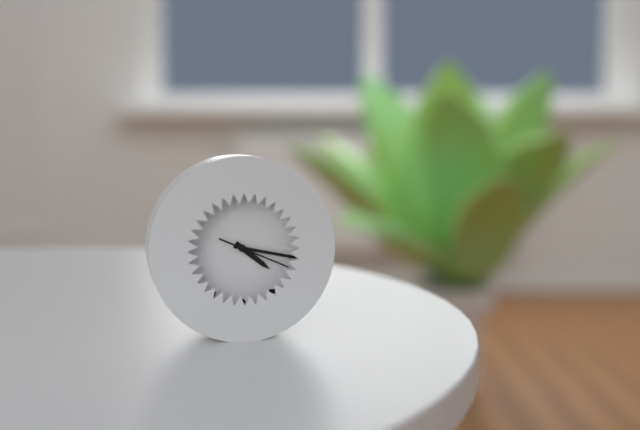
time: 4:17:19
